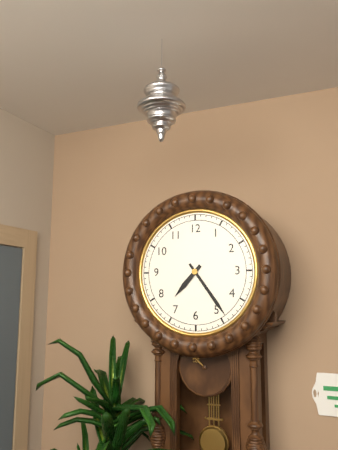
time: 7:24
